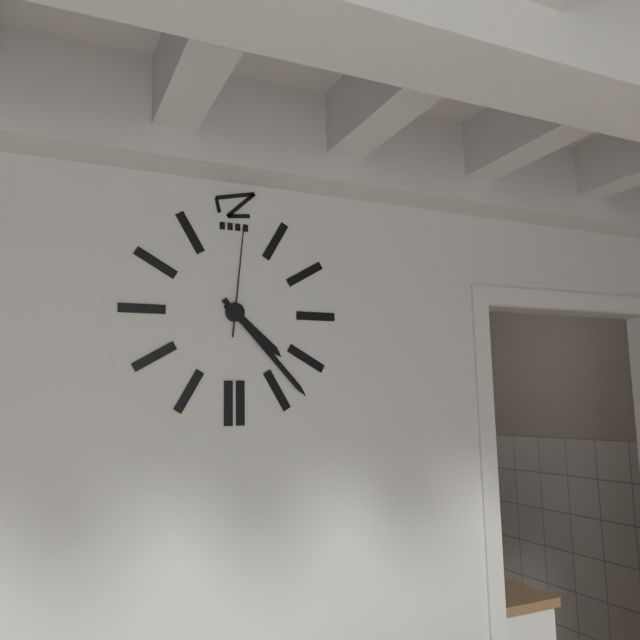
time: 4:23:01
